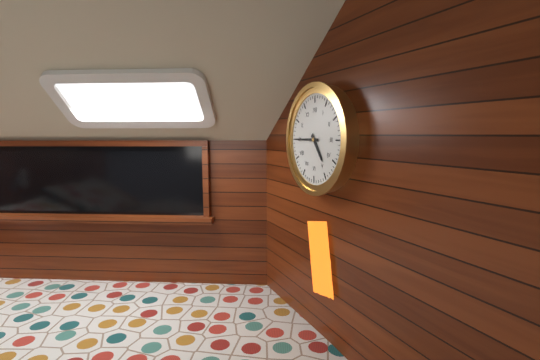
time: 4:45
